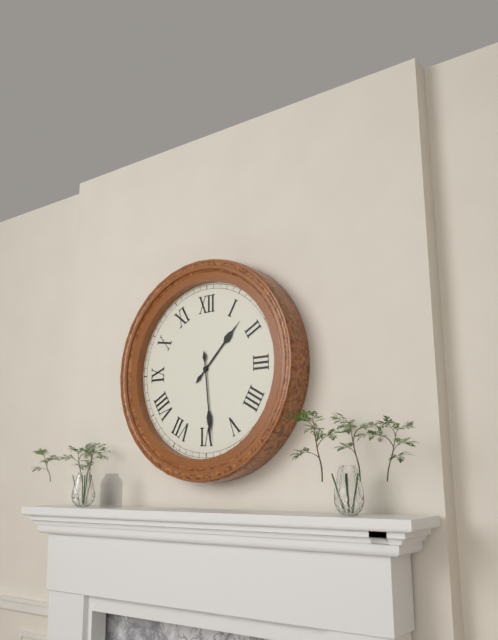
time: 1:29
